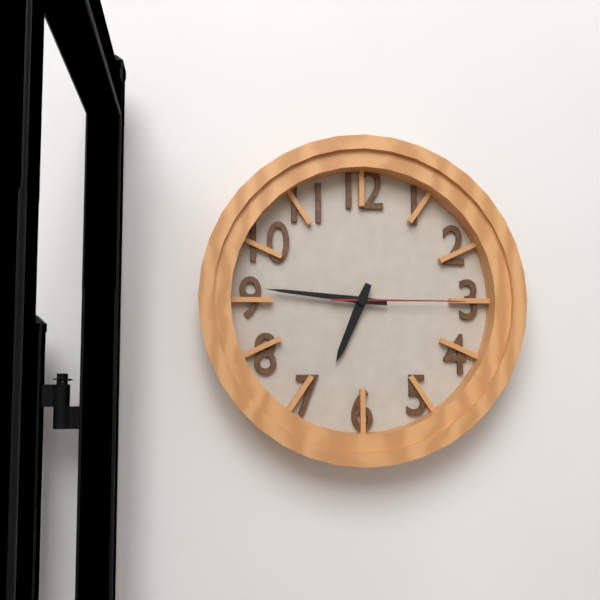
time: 6:46:15
